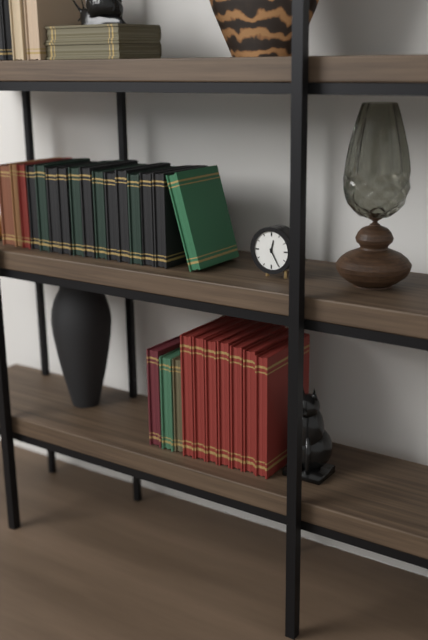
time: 12:25
